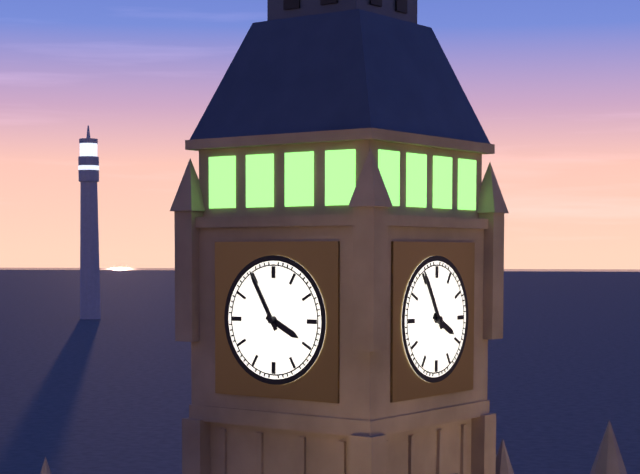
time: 3:55
